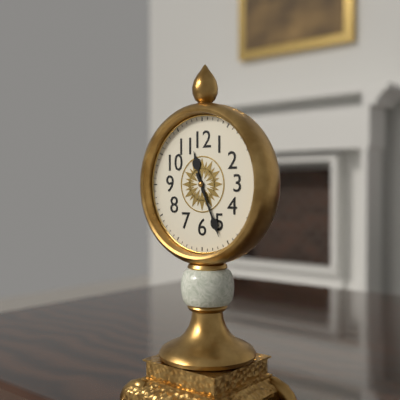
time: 11:26
